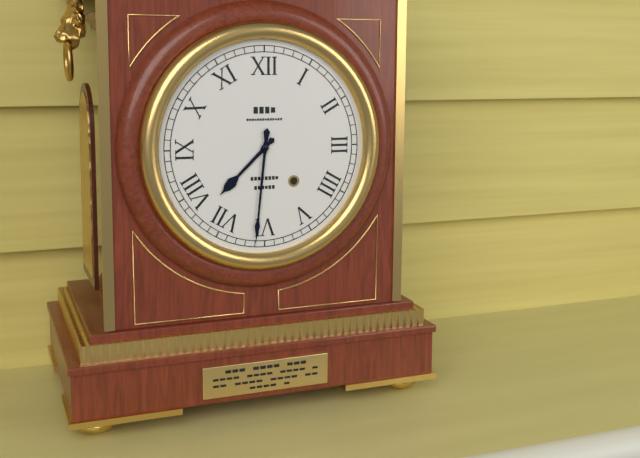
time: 7:31
